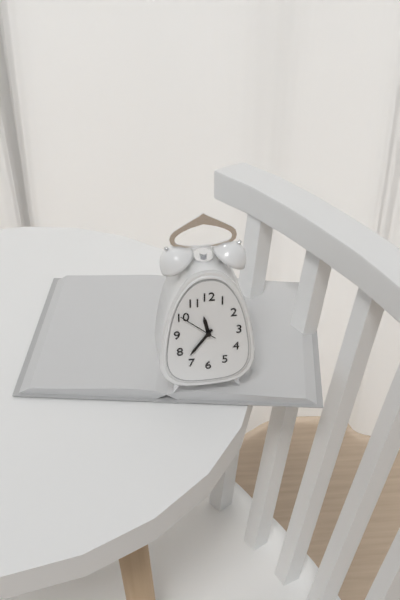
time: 11:36
